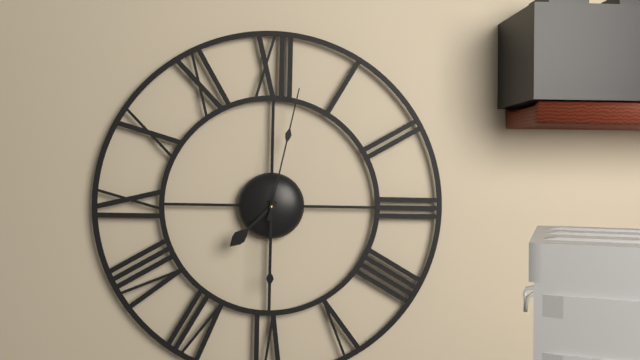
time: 7:30:02
